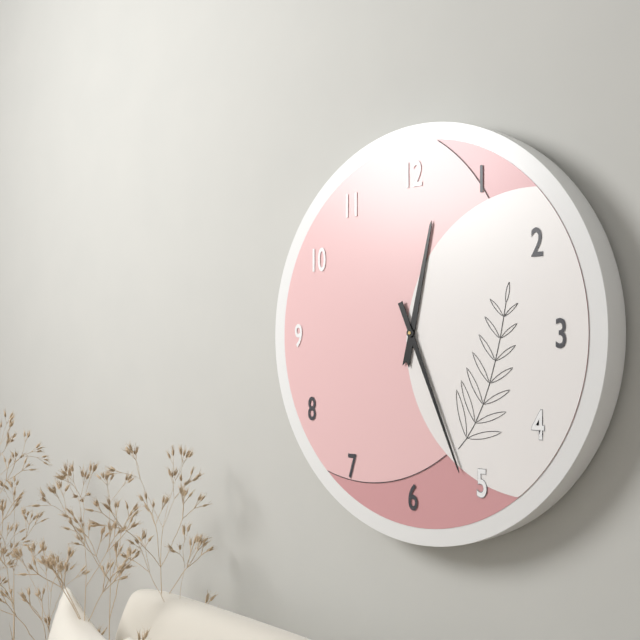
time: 12:26
